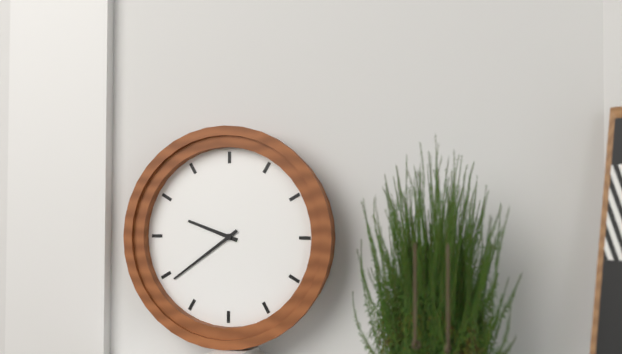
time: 9:39
